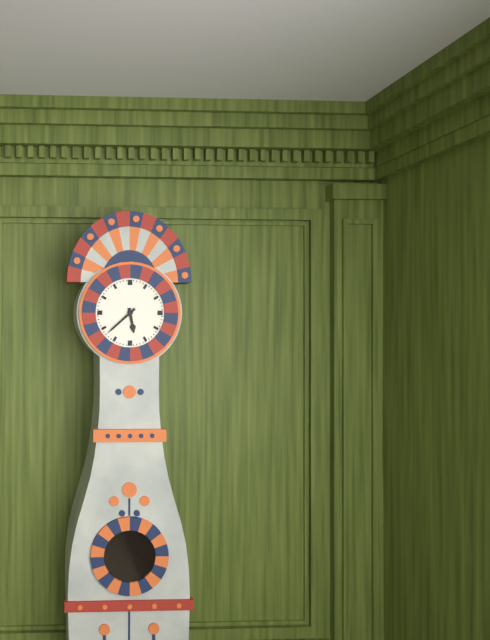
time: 5:38
